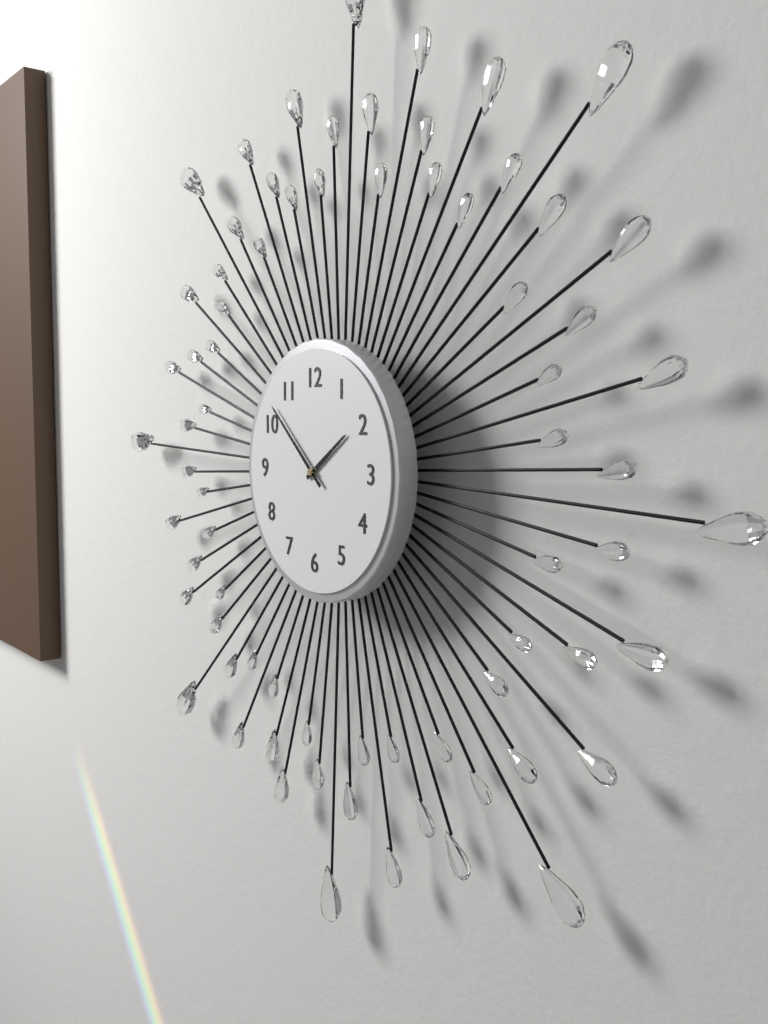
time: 1:52
